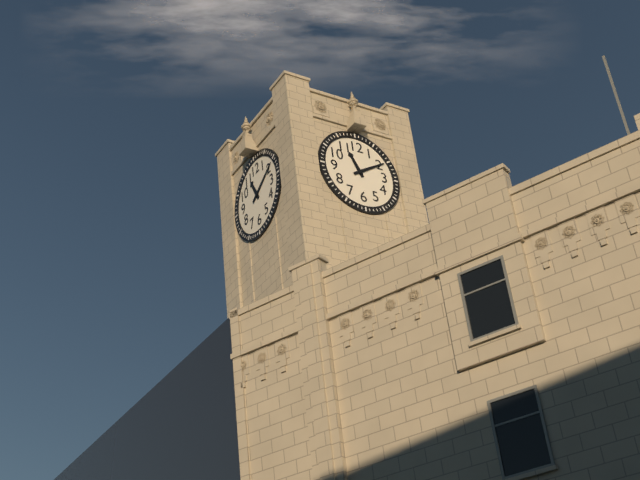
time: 11:10
